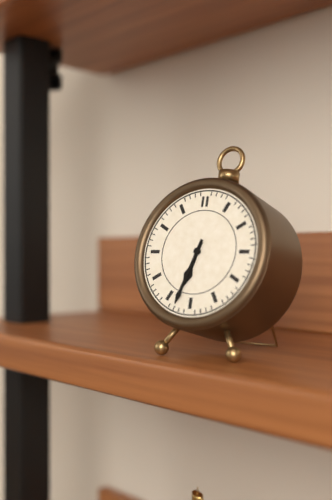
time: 6:33
